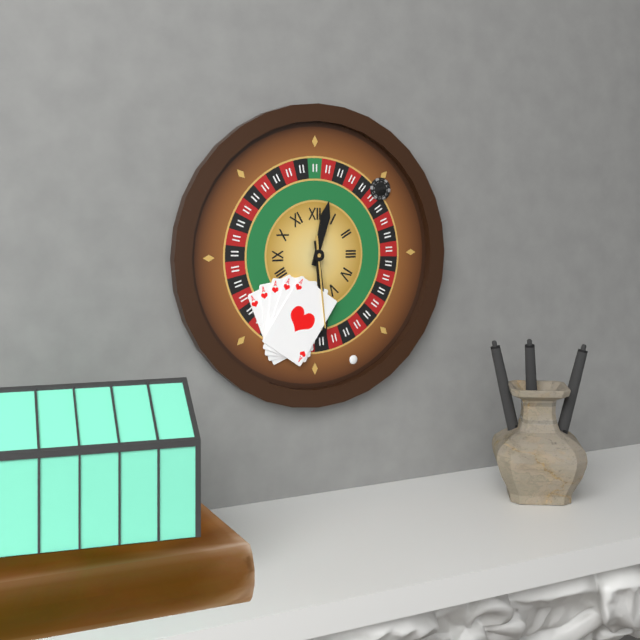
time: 12:29:29
